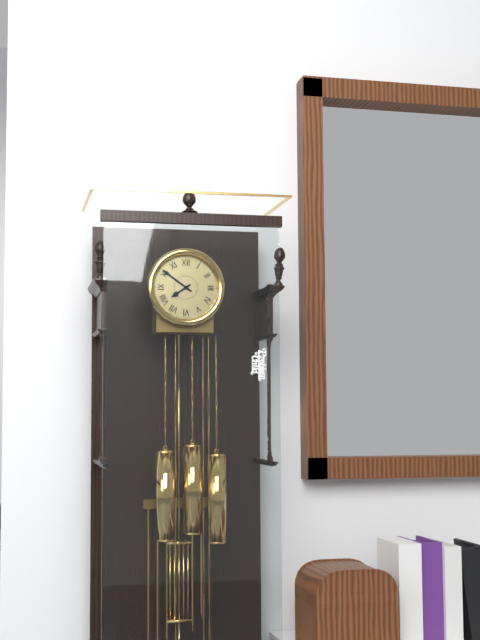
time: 7:51
